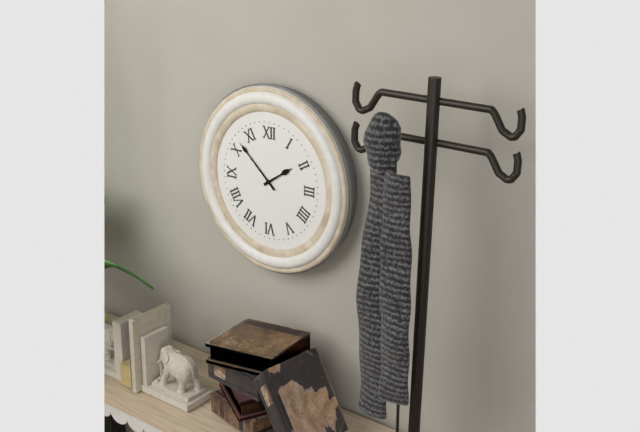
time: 1:52
